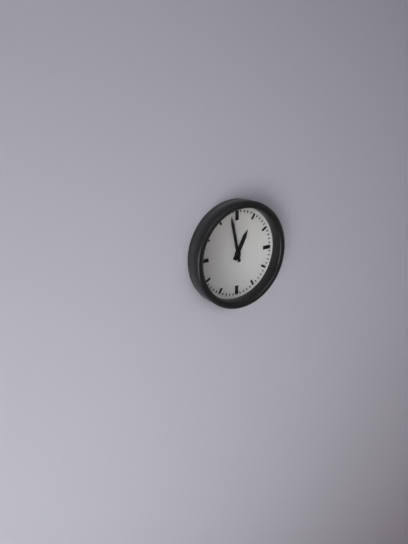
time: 12:58
